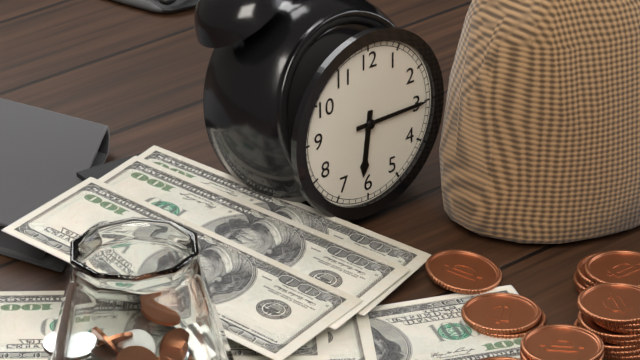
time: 6:15
